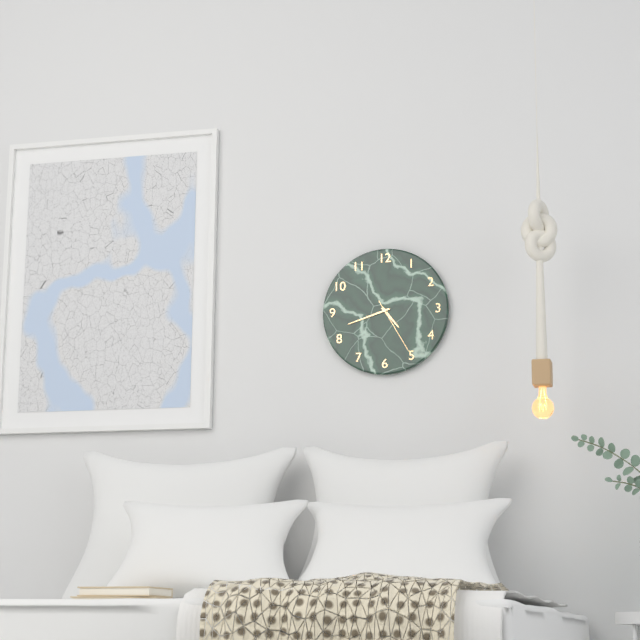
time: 4:42:25
